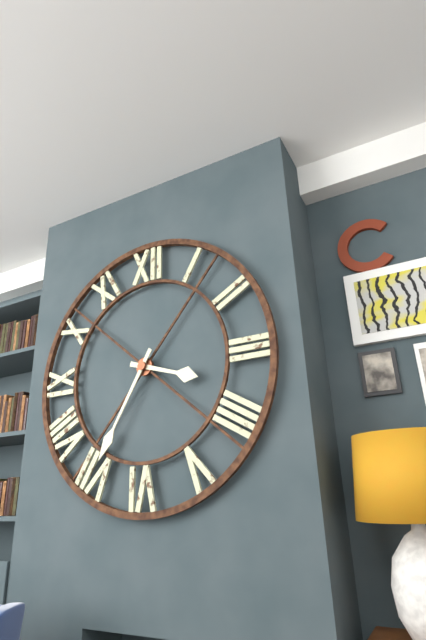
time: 3:35
